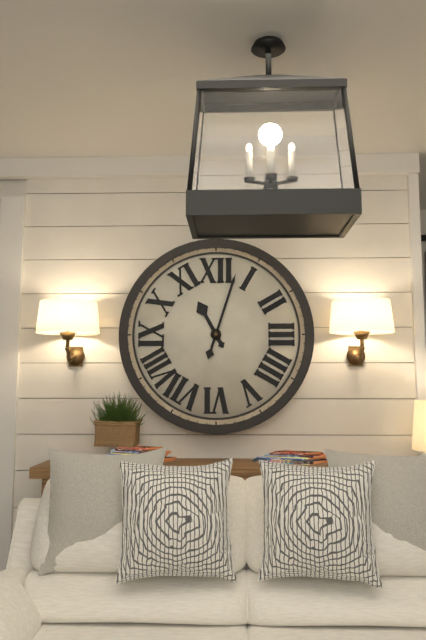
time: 11:03
